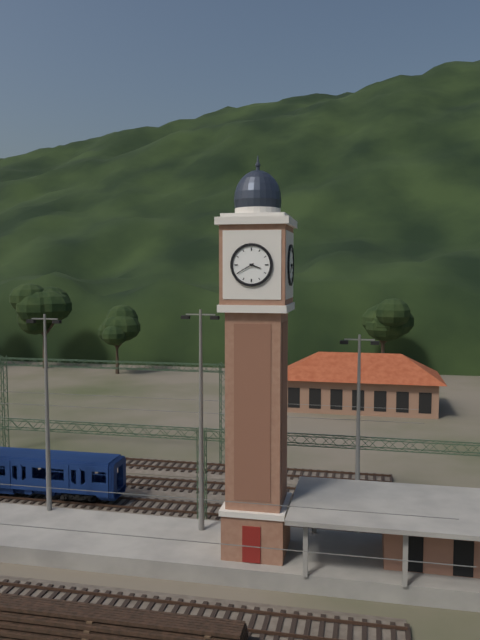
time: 3:40
